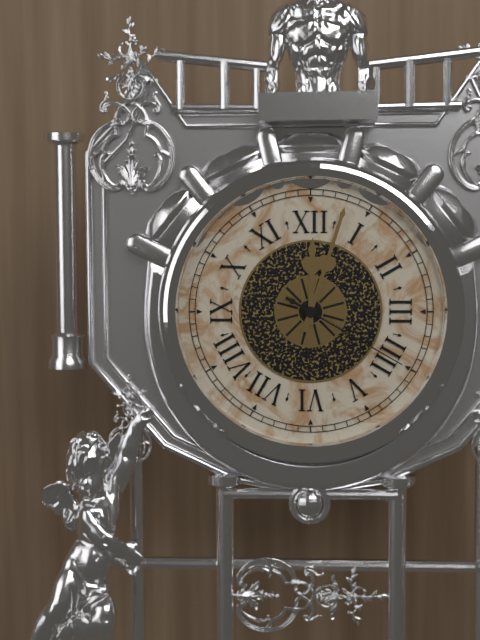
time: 12:03:20
